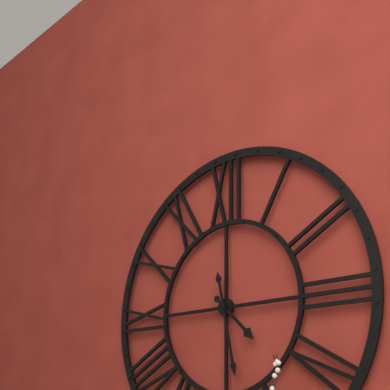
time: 4:28
